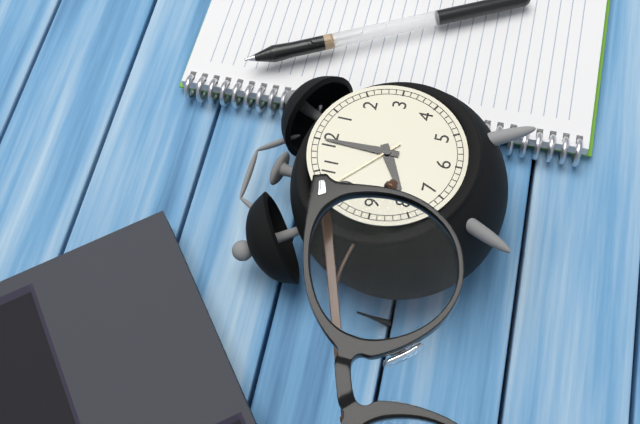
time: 8:00:52
